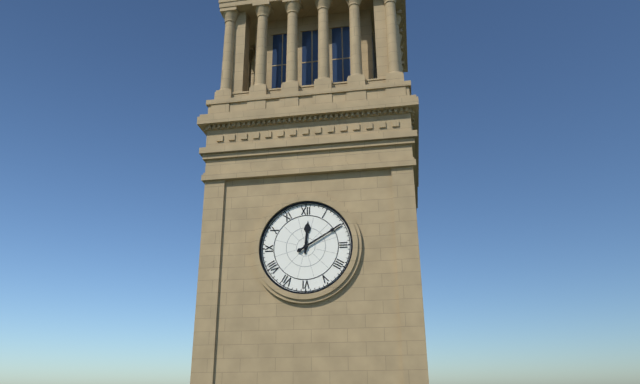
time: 12:10
